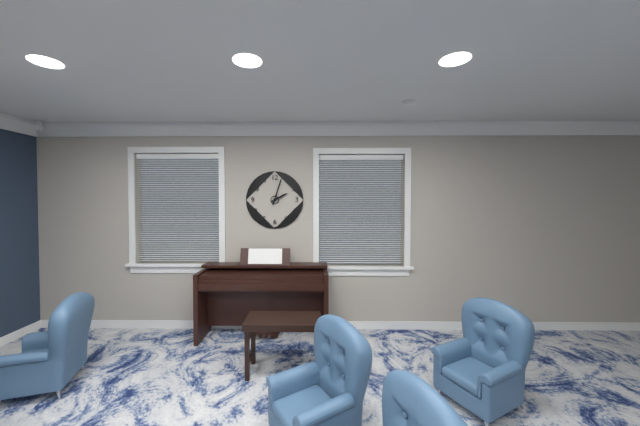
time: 2:03
